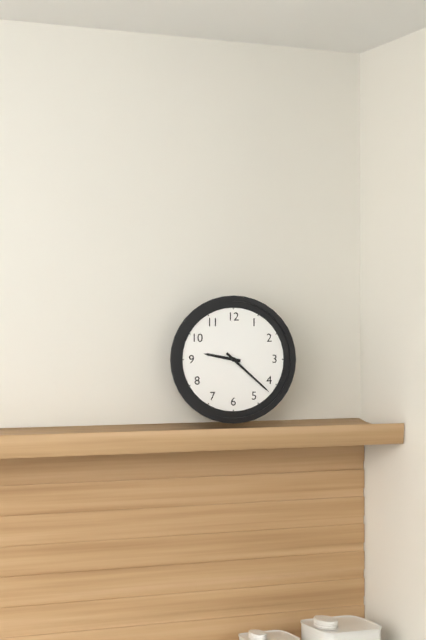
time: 9:22
